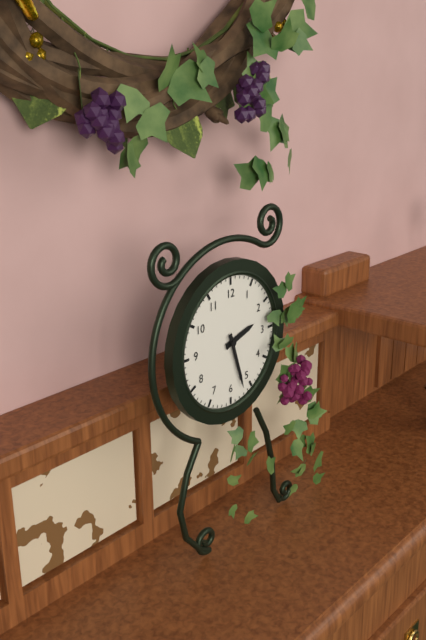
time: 2:27
